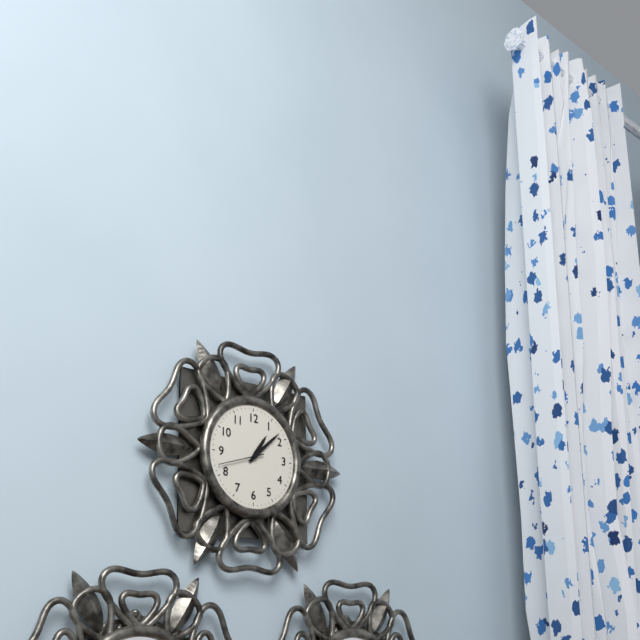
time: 1:08
